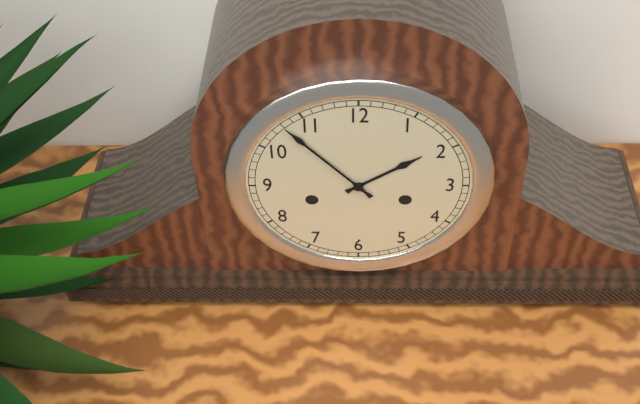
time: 1:53
